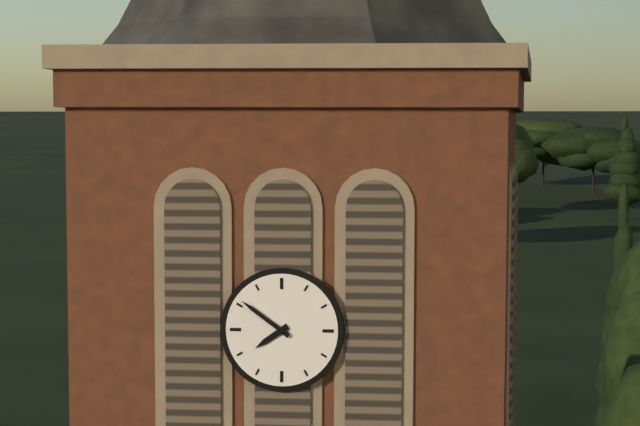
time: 7:51
